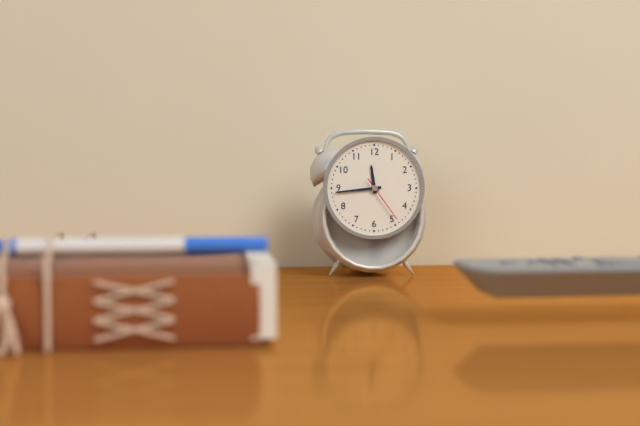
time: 11:44
